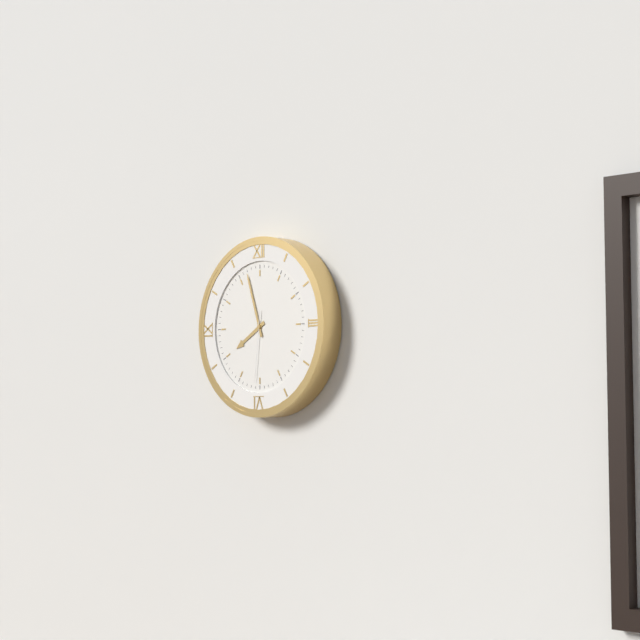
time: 7:57:31
